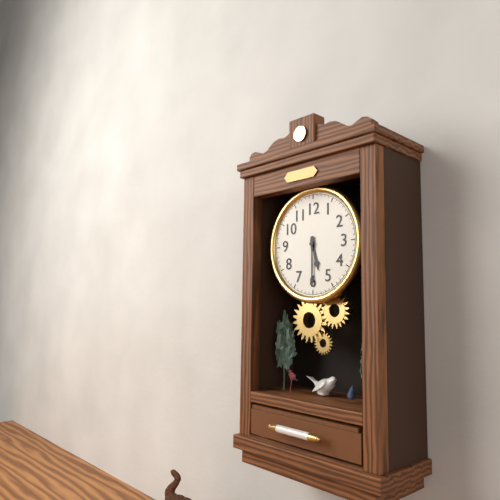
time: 5:30
